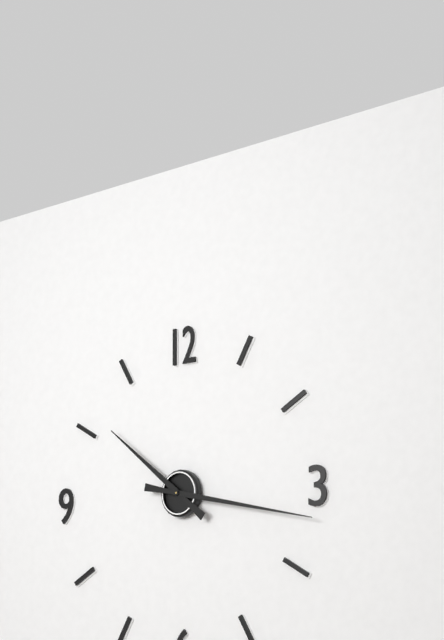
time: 10:17
